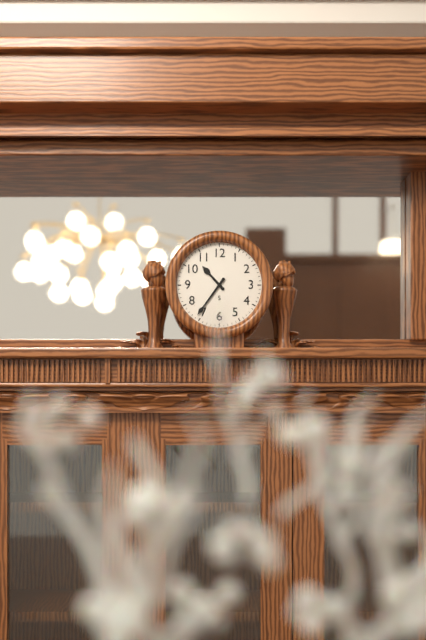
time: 10:36
